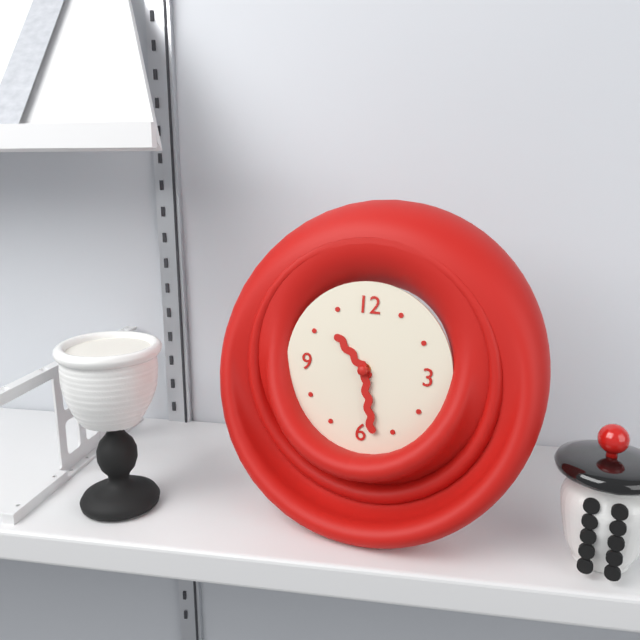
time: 10:28
